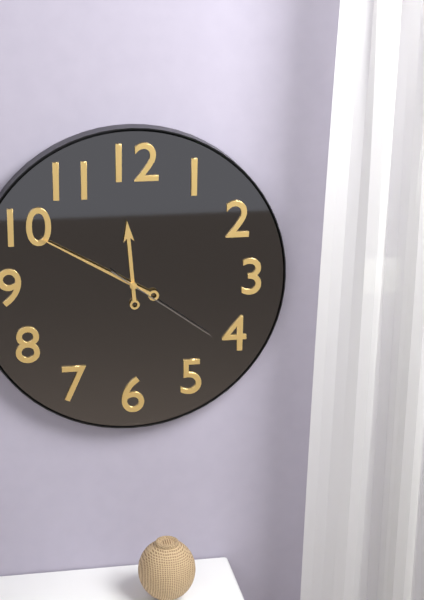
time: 11:50:21
